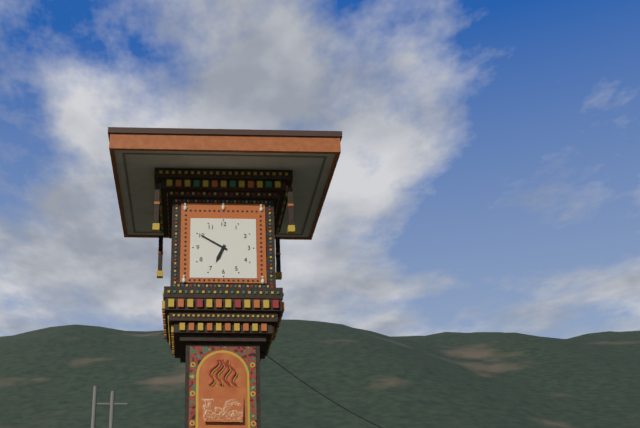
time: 6:50
